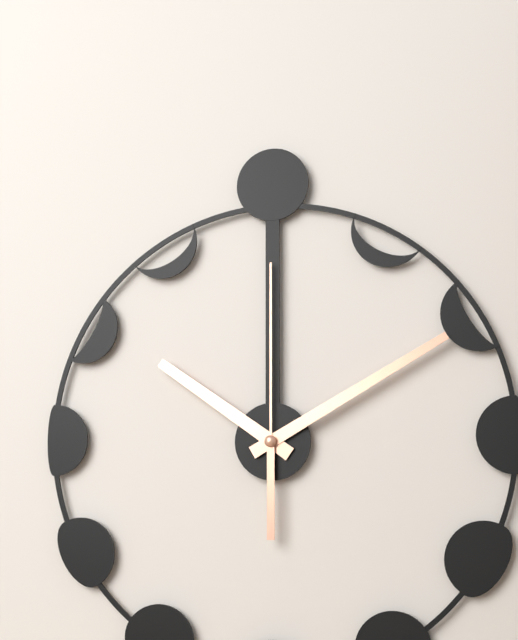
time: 10:10:00
